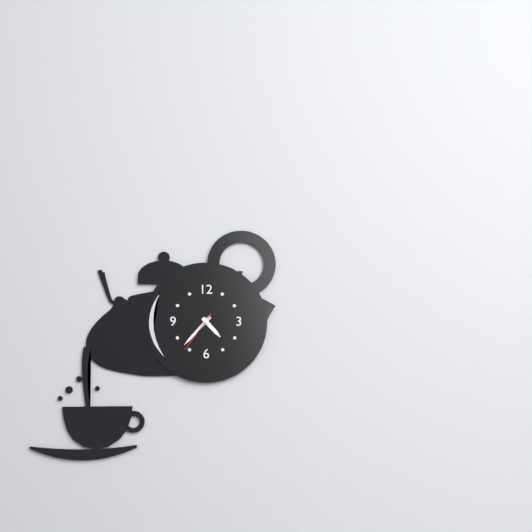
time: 4:37
